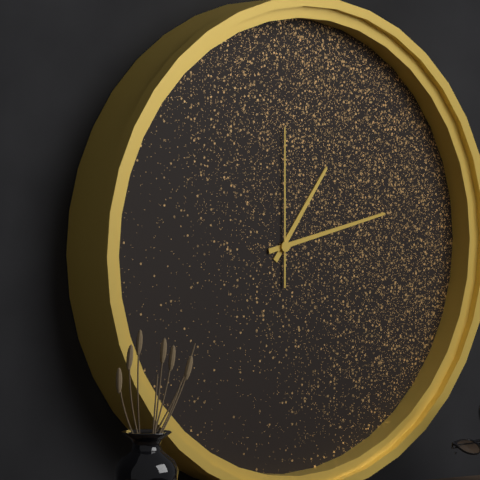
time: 1:13:00
